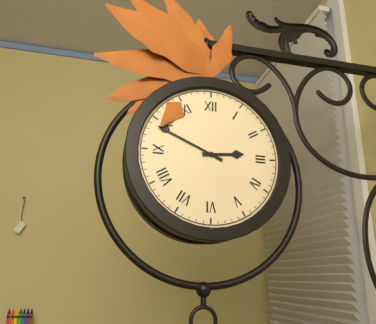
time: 2:49
